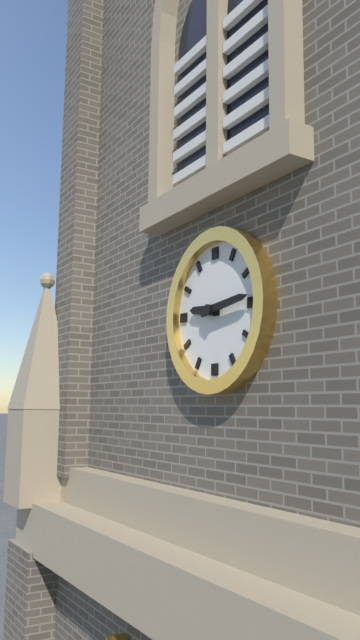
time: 9:14
